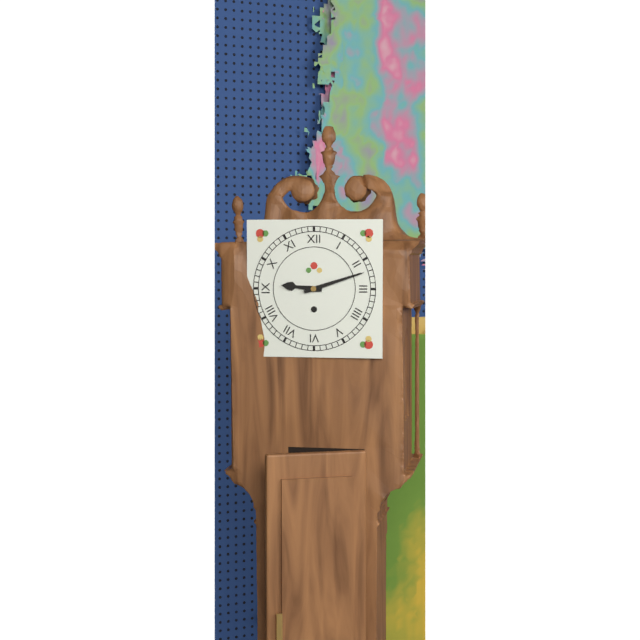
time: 9:12
